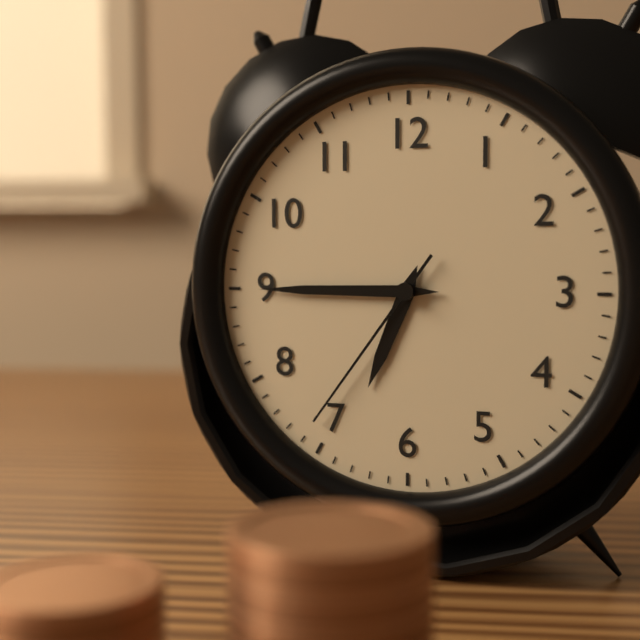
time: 6:45:36
